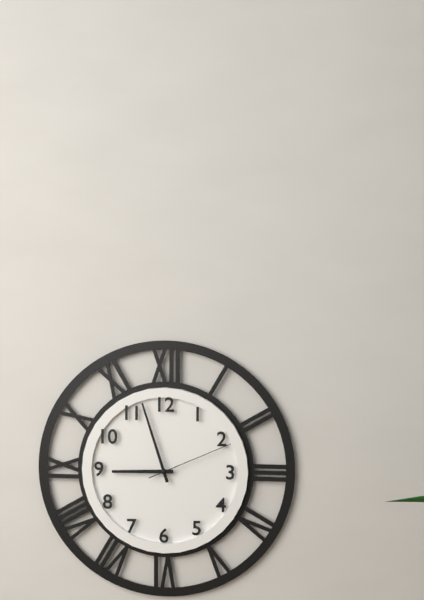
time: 8:57:11
